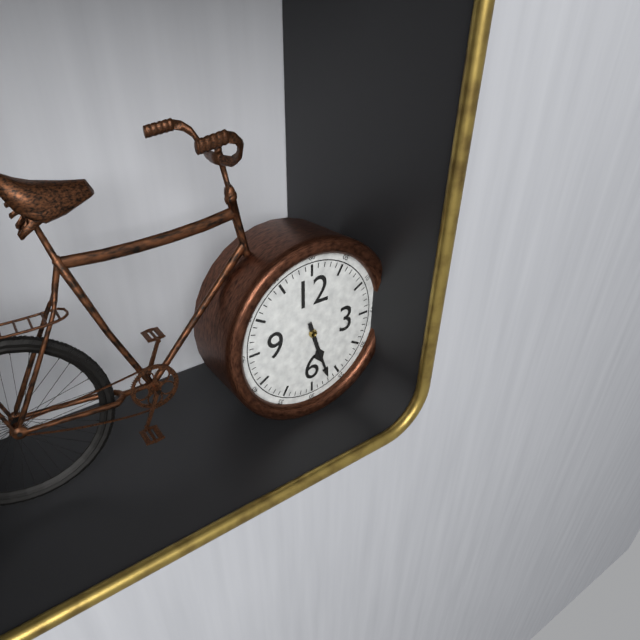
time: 5:27
